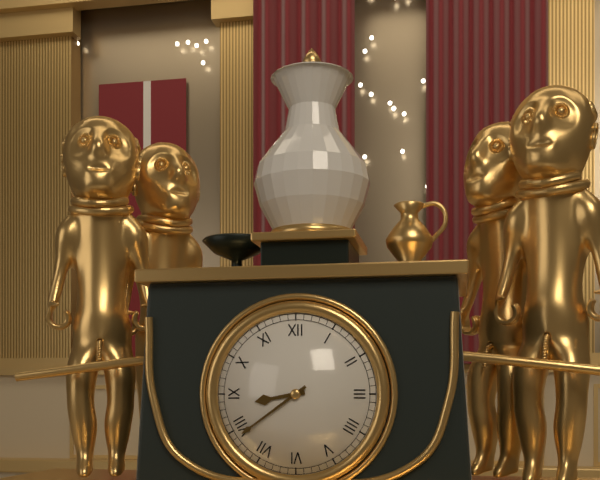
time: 8:39
